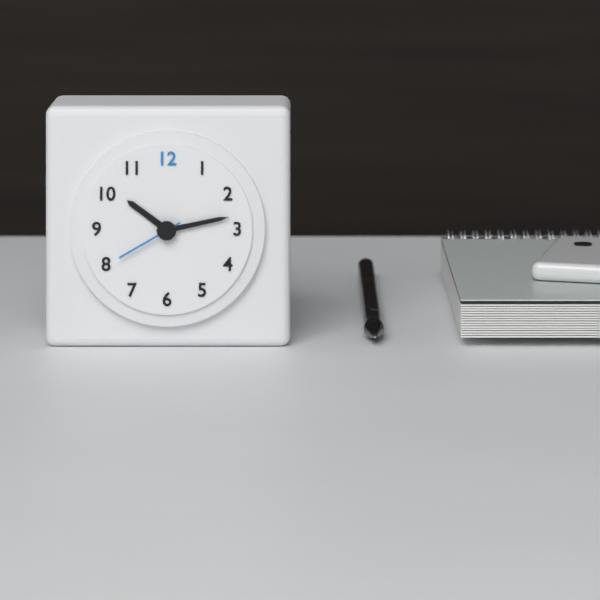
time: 10:13:40
